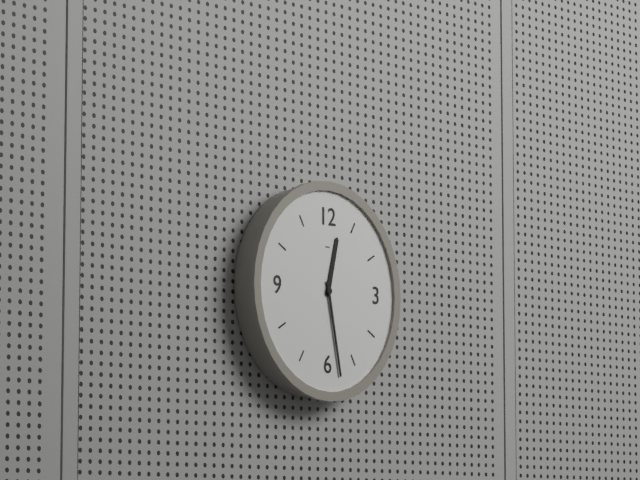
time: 12:28
